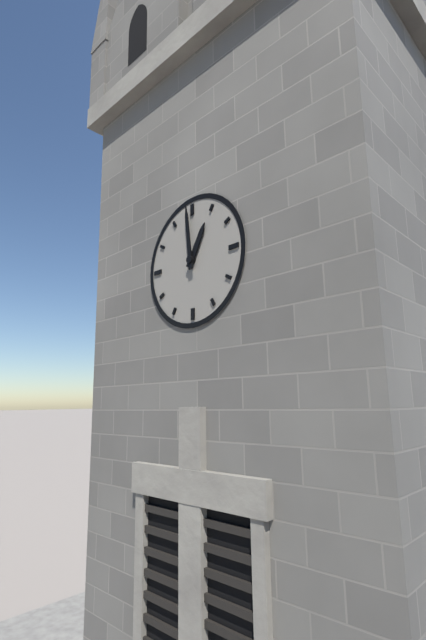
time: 12:59
